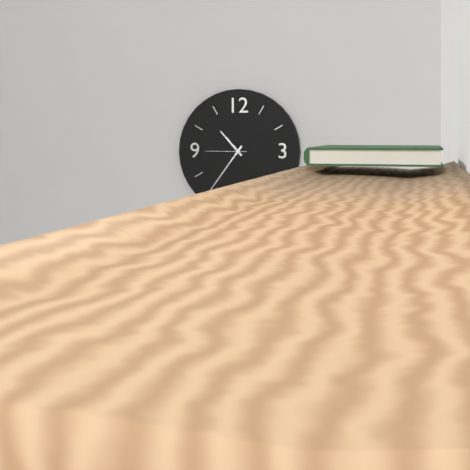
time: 10:36
